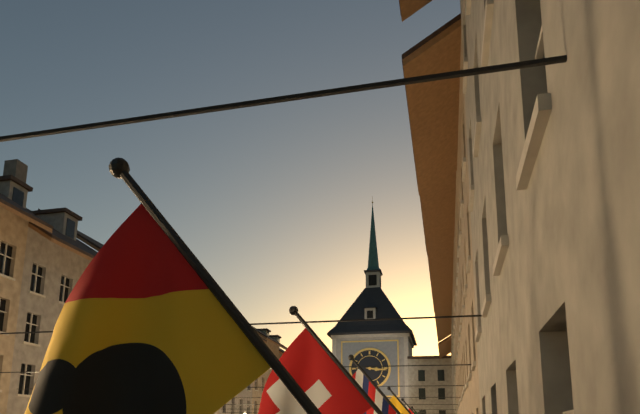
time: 3:16
